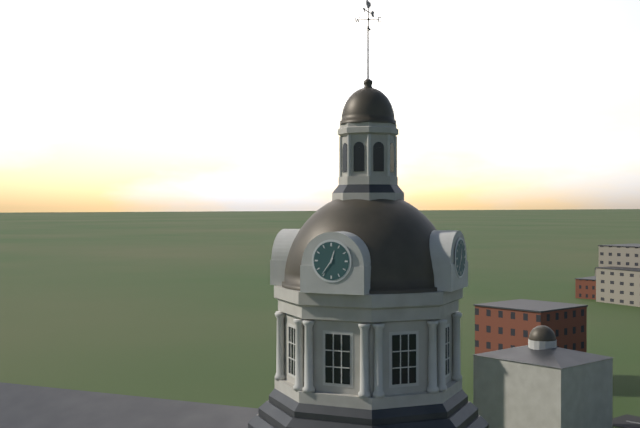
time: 12:36
